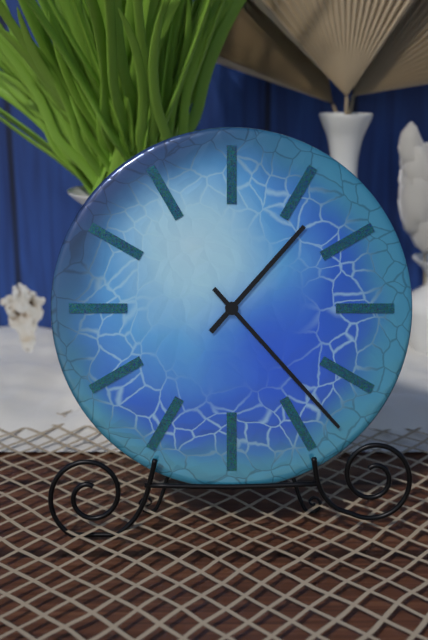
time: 1:23
